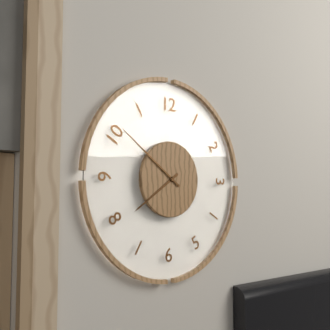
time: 7:51
